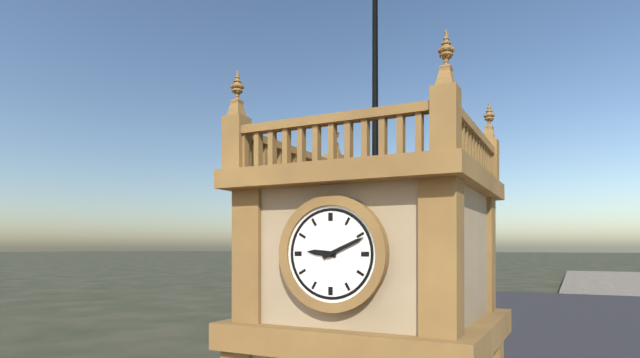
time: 9:11
